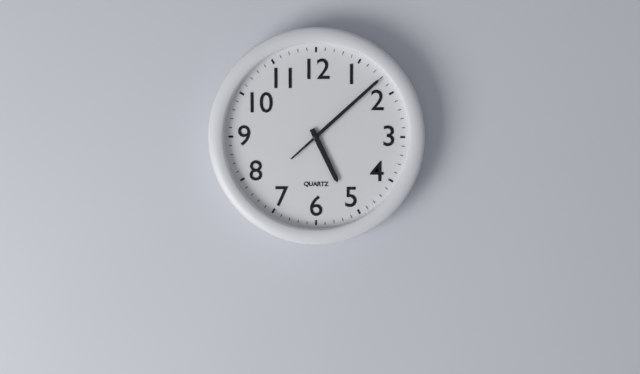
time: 5:08
